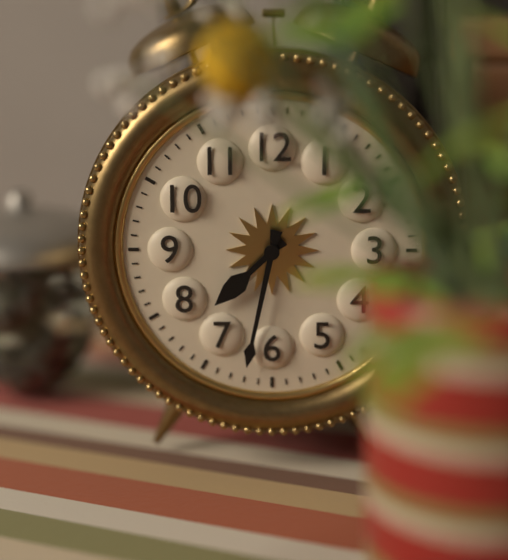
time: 7:32
